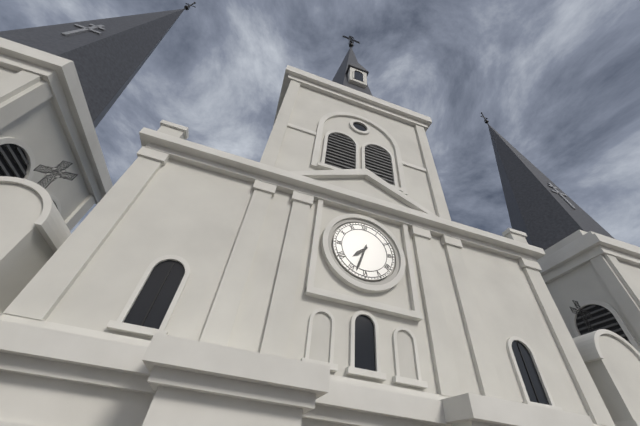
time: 7:33
